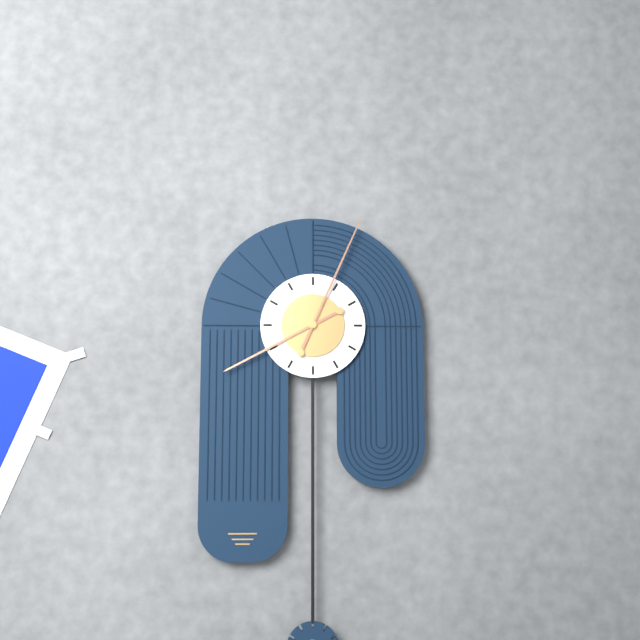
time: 8:04
